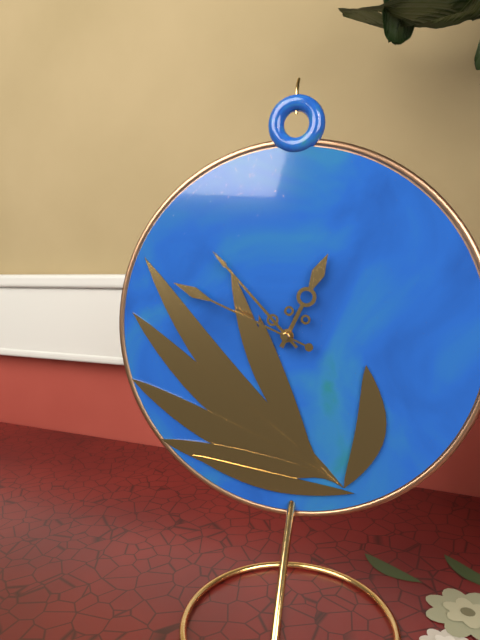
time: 12:53:49
